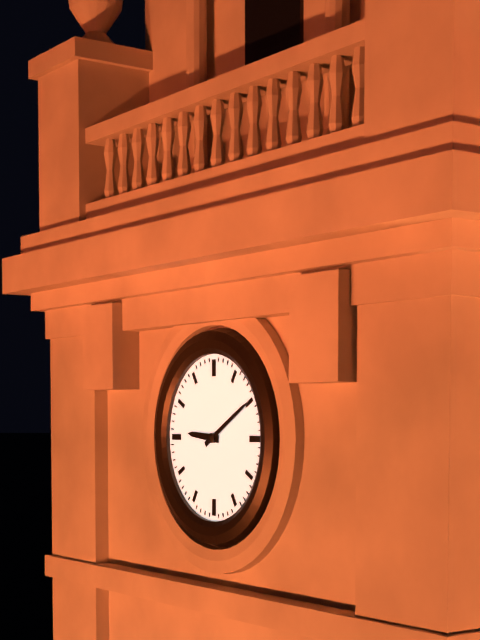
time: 9:10
